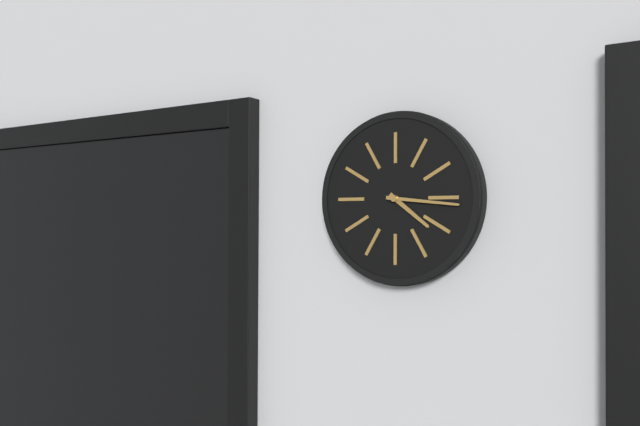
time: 4:16
